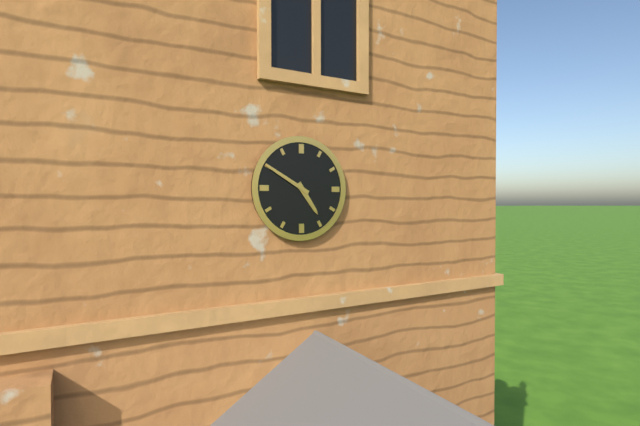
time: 4:50
